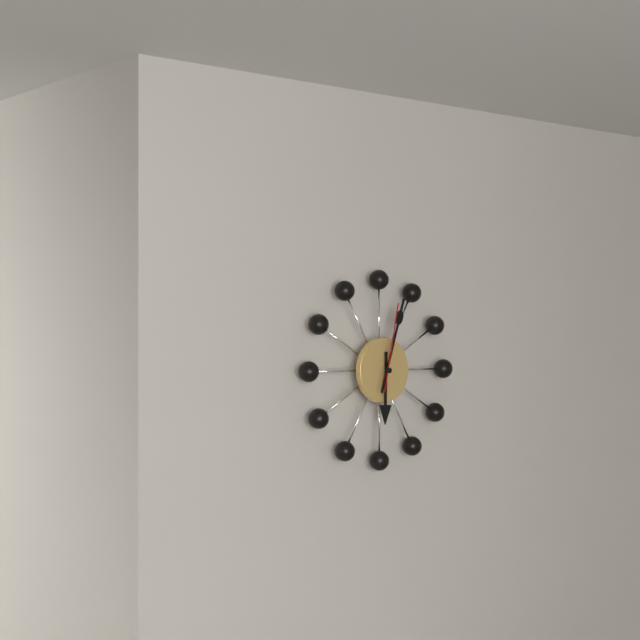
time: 6:03:02
